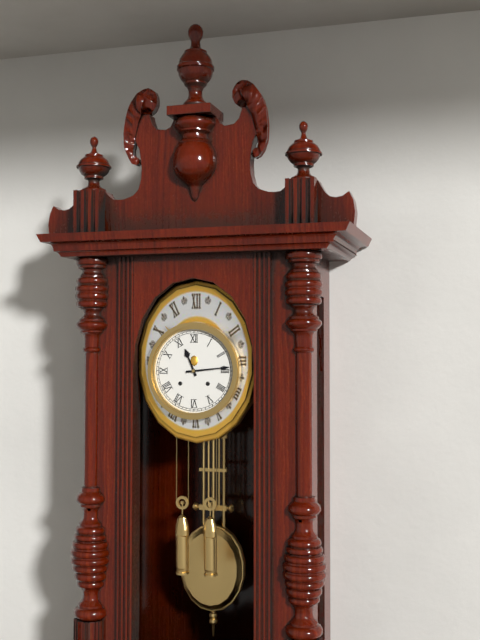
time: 11:14
